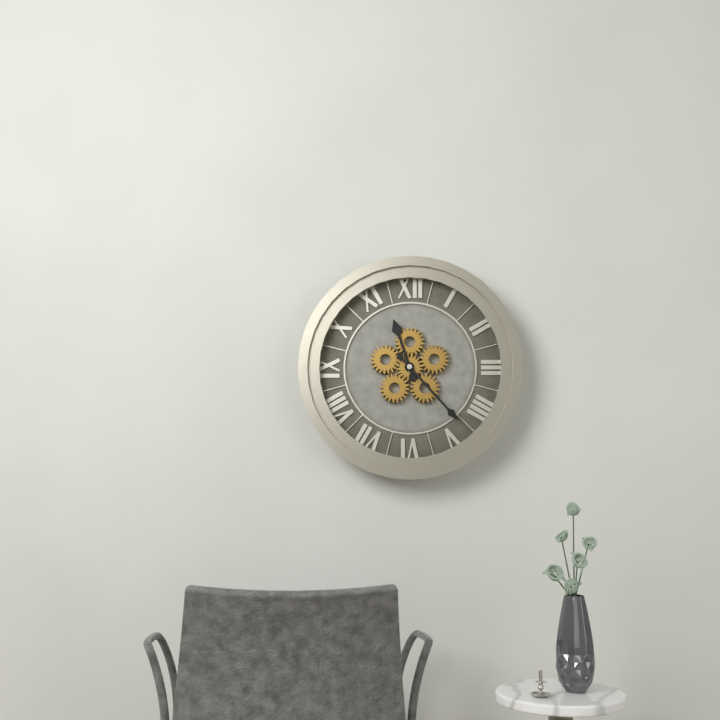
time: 11:23
